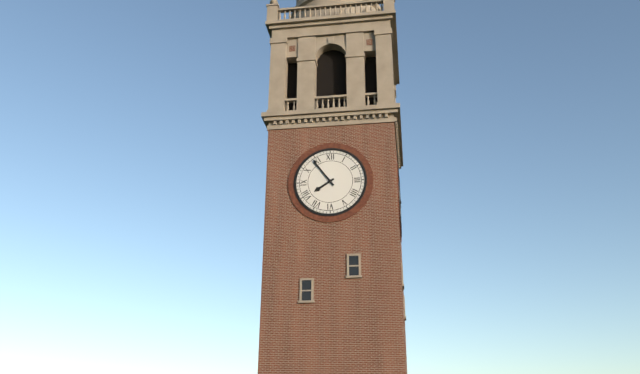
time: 7:54
